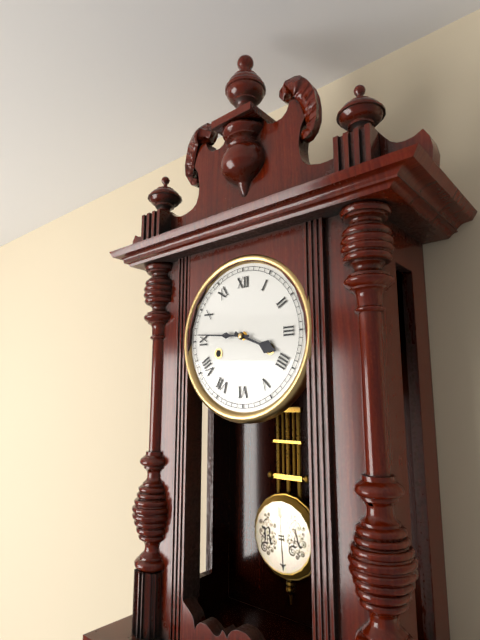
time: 3:46
